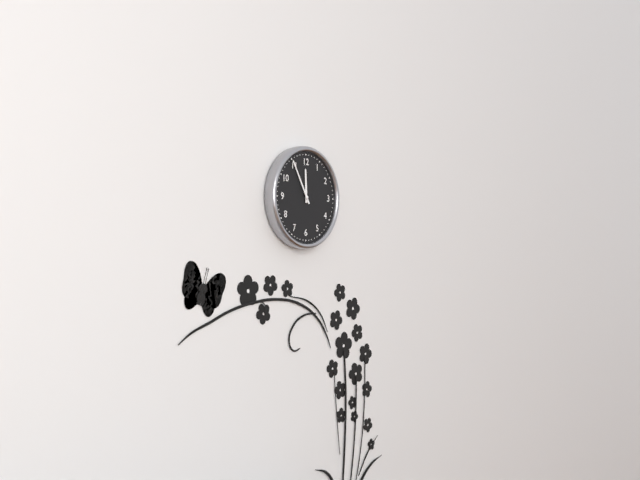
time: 11:55
